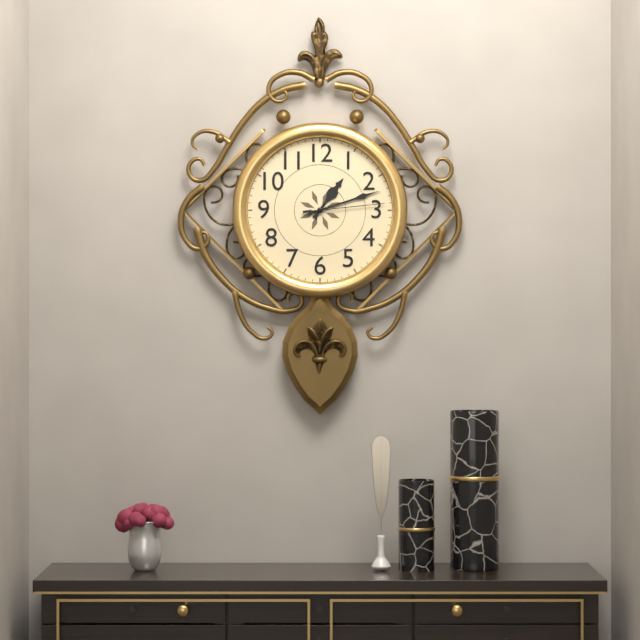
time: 1:12:14
